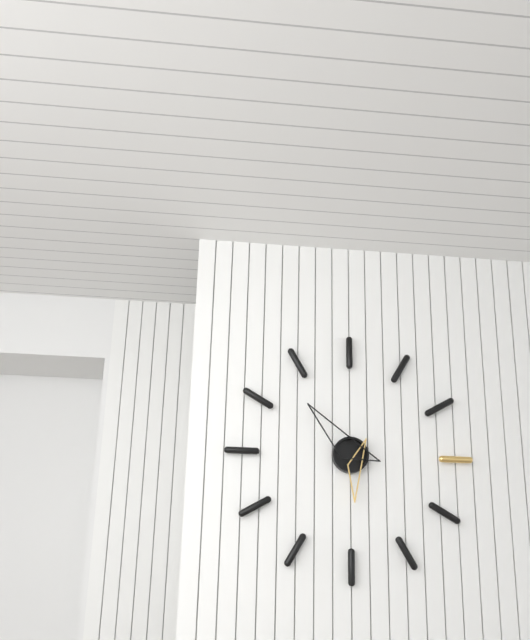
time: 5:53
